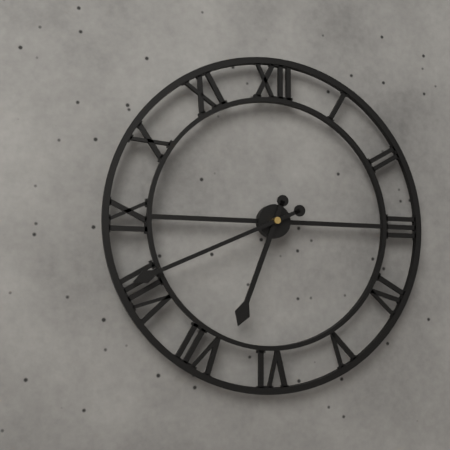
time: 6:41
